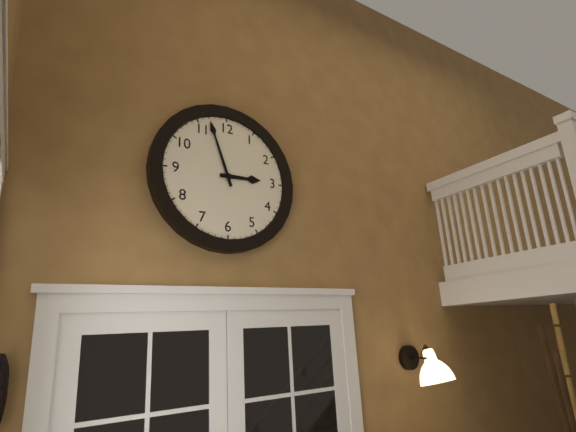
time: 2:57
